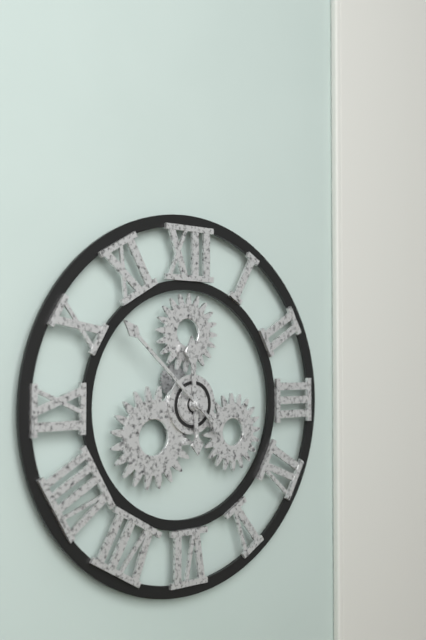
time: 11:52
